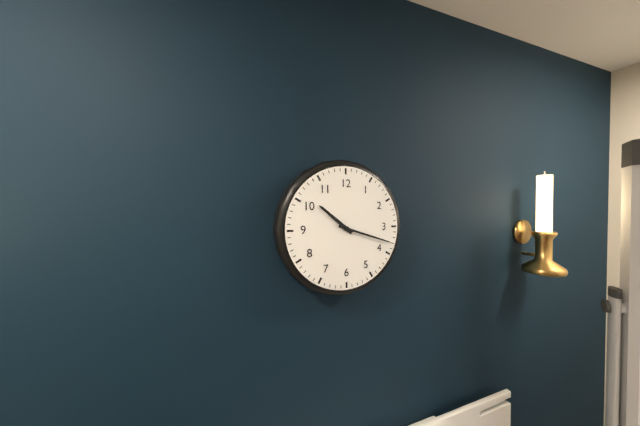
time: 10:18
